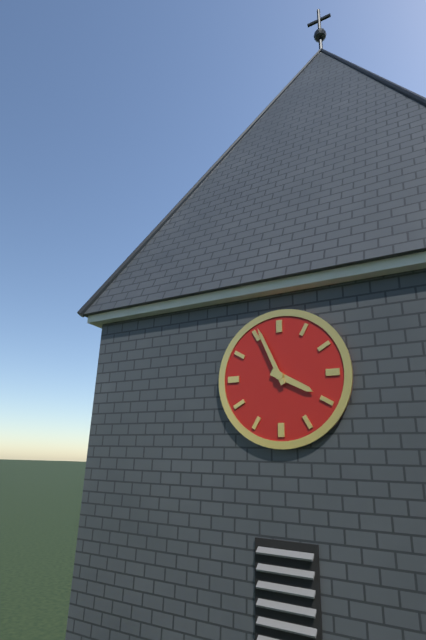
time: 3:56
